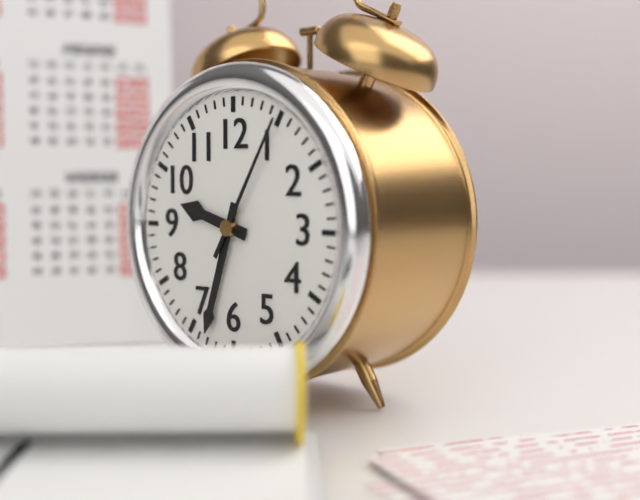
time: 9:33:05
